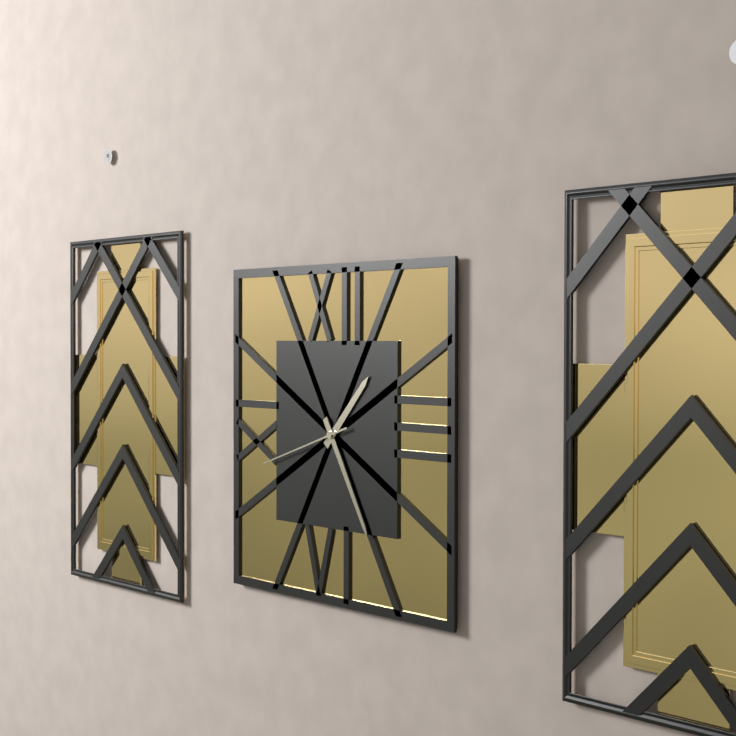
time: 1:25:42
